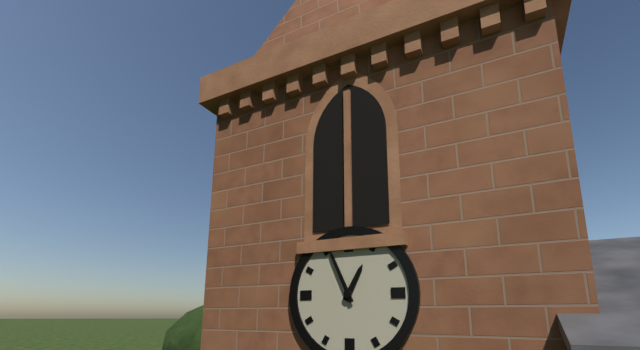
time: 12:56
